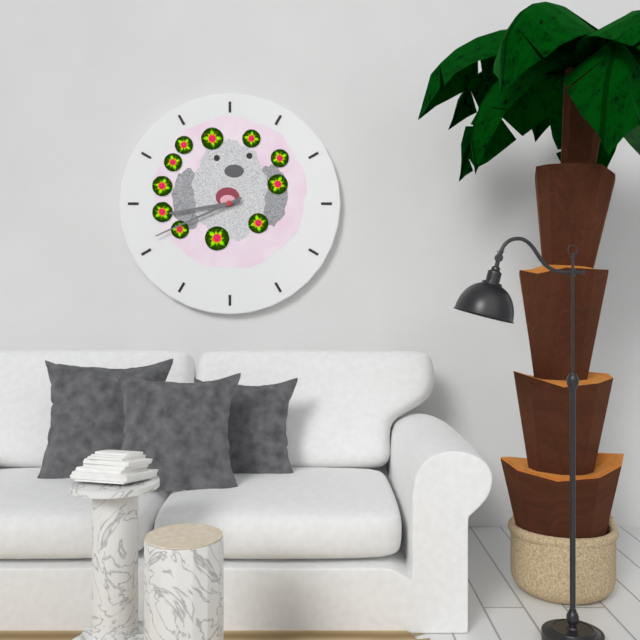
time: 8:41
